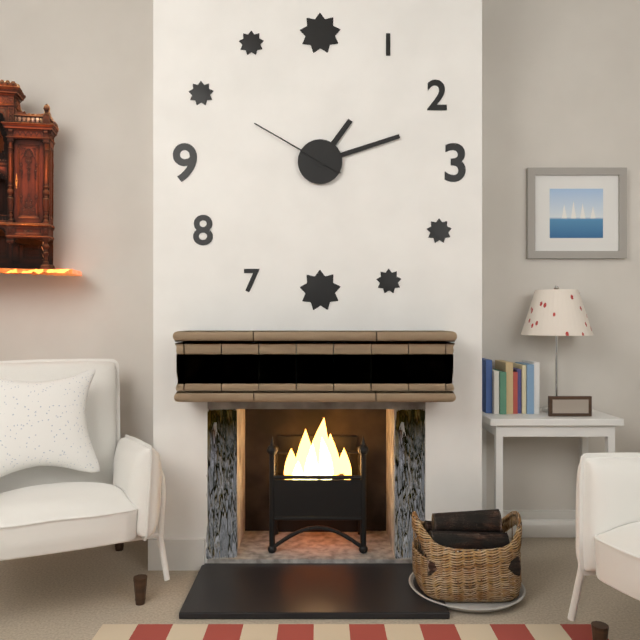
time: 1:12:50
